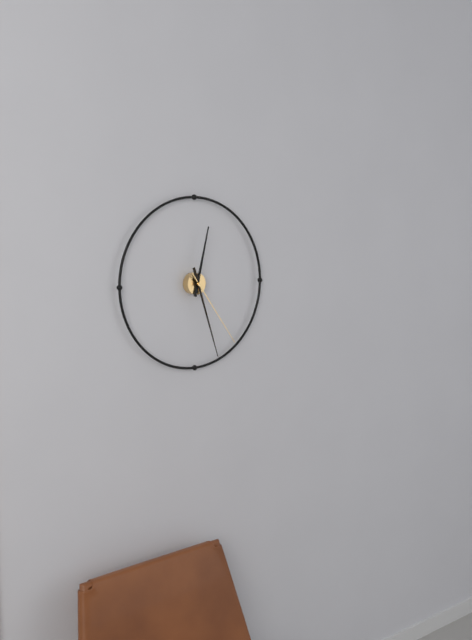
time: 12:27:24
